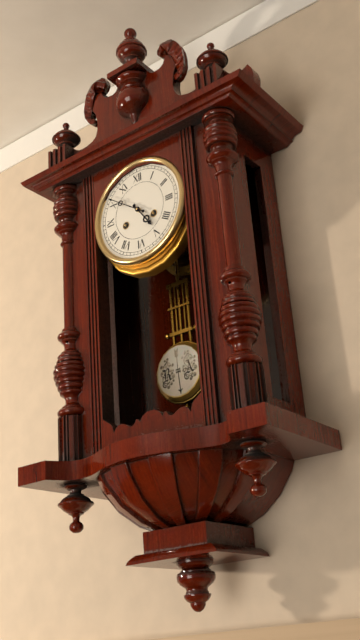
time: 4:51
